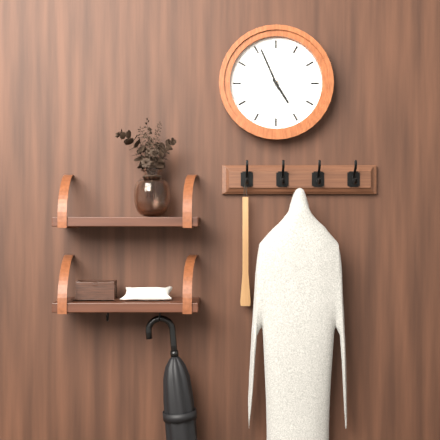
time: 4:56:37
